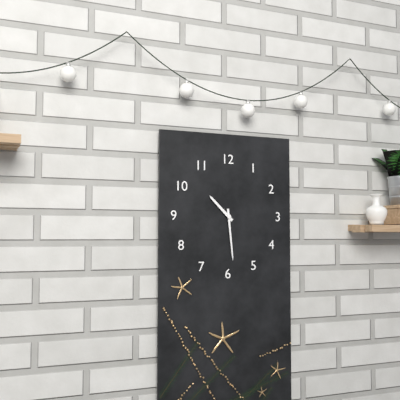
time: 10:29
